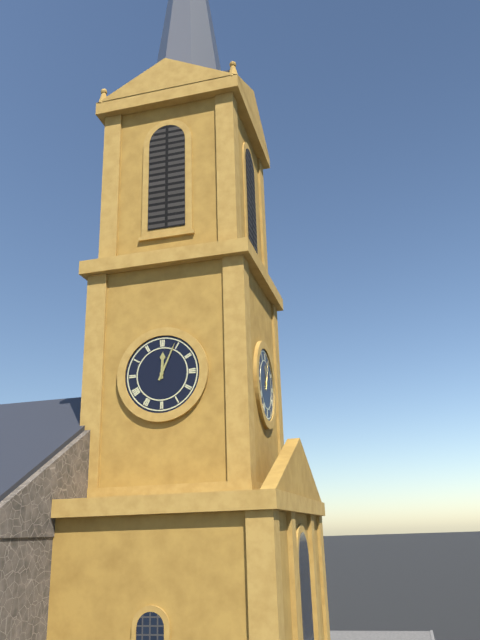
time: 12:04
